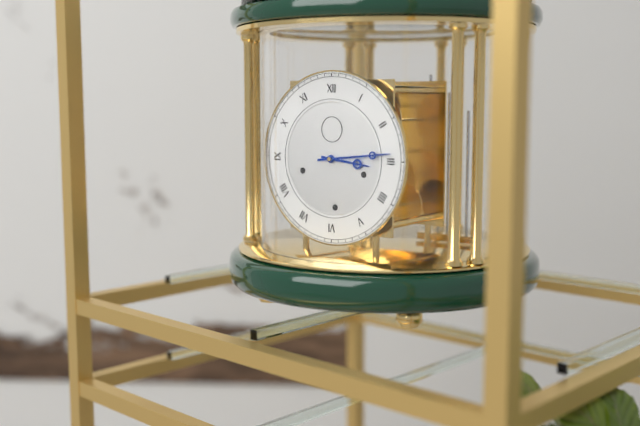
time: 3:14
